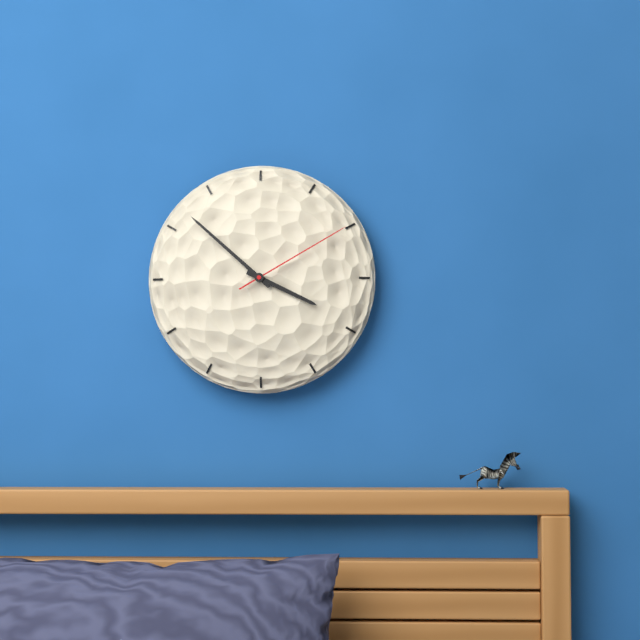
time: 3:52:10
